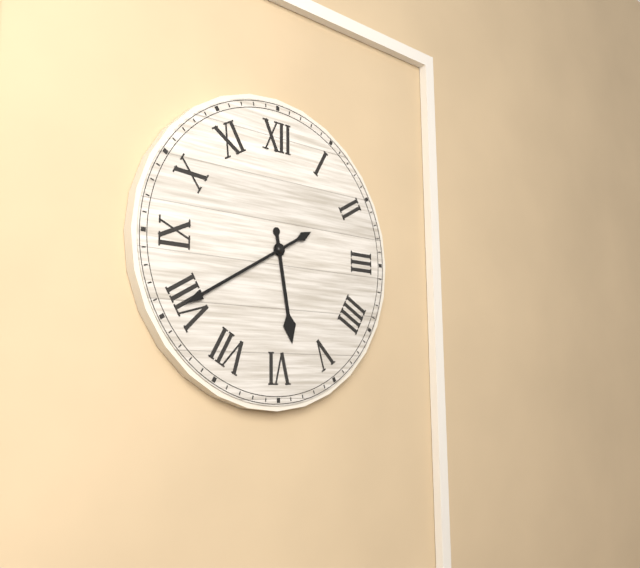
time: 5:40
